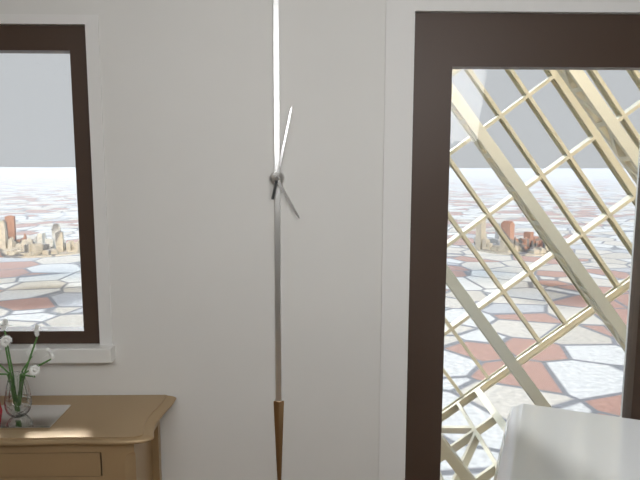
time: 5:02
